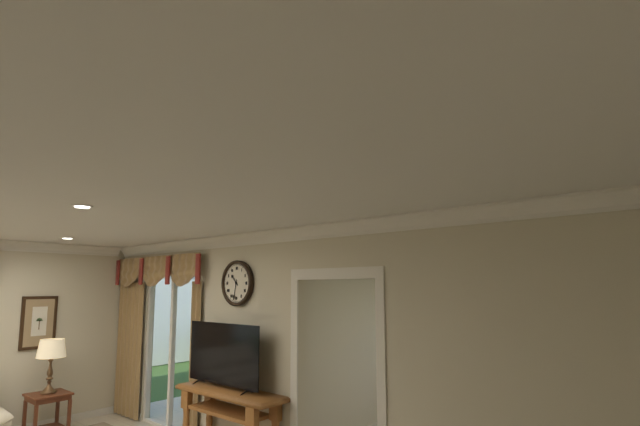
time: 10:32
